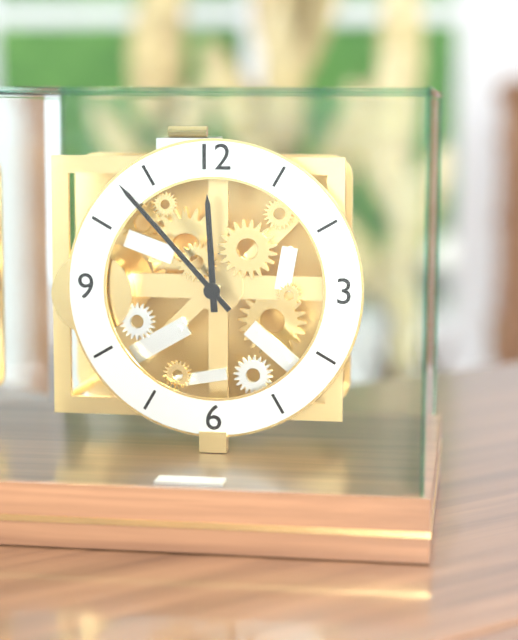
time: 11:53
